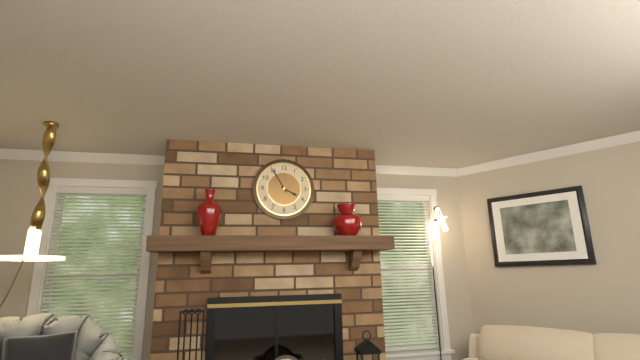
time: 3:55
